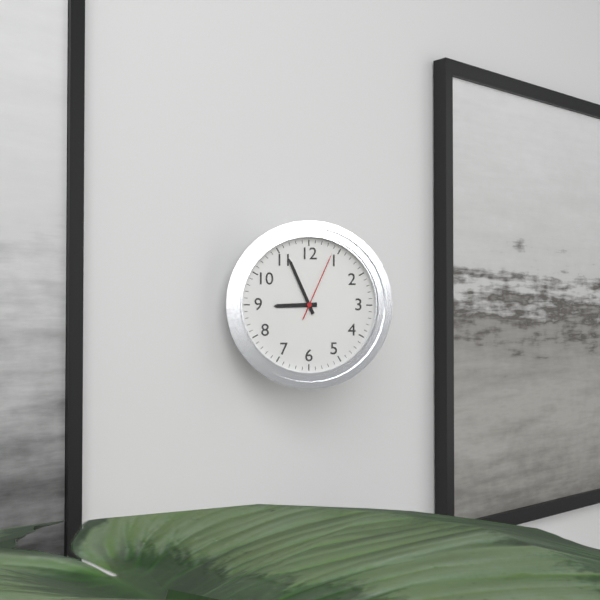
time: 8:56:04
